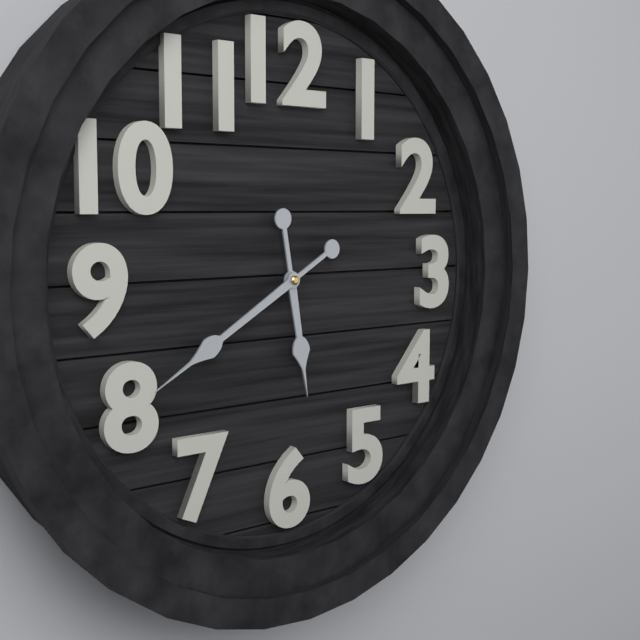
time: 5:40
